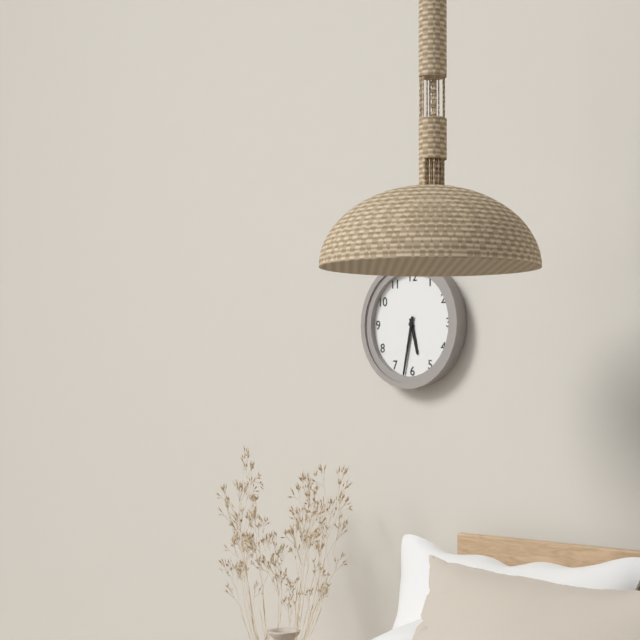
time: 5:32
